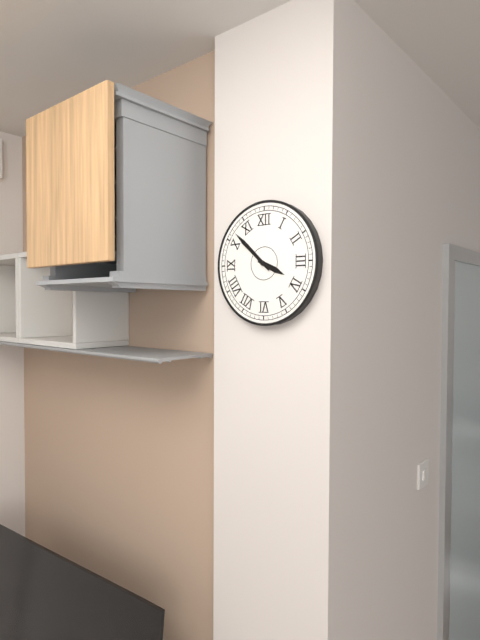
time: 3:52
